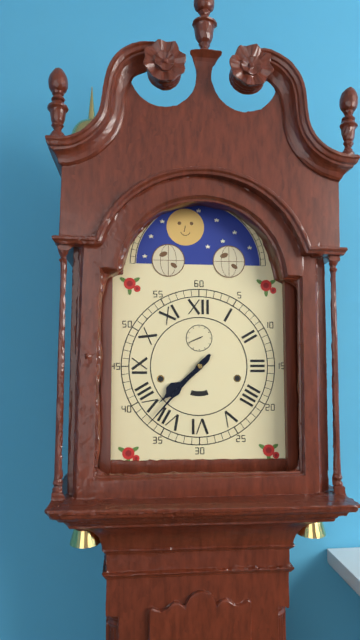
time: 7:37
